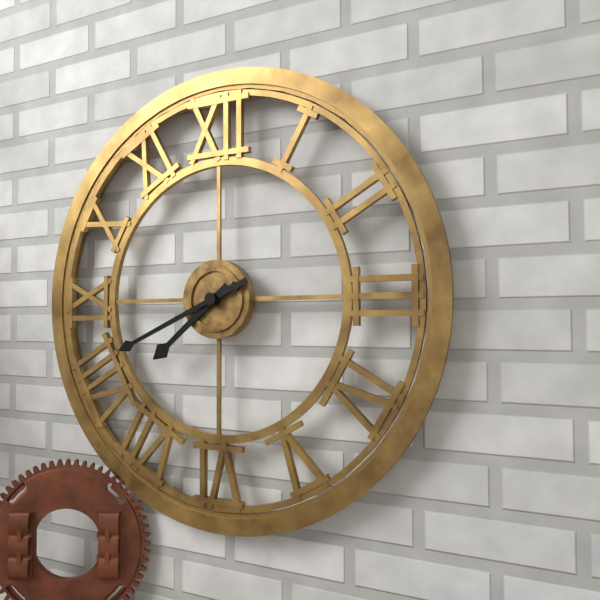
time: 7:41
